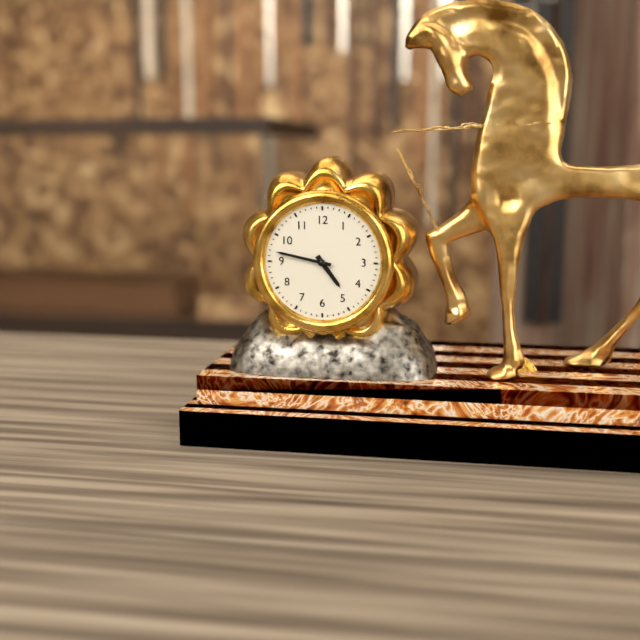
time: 4:47
